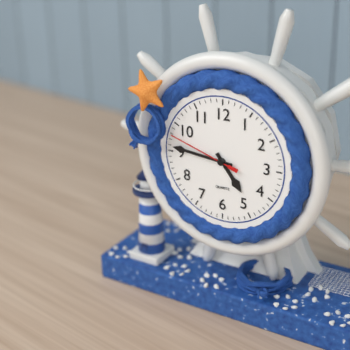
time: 4:46:48
